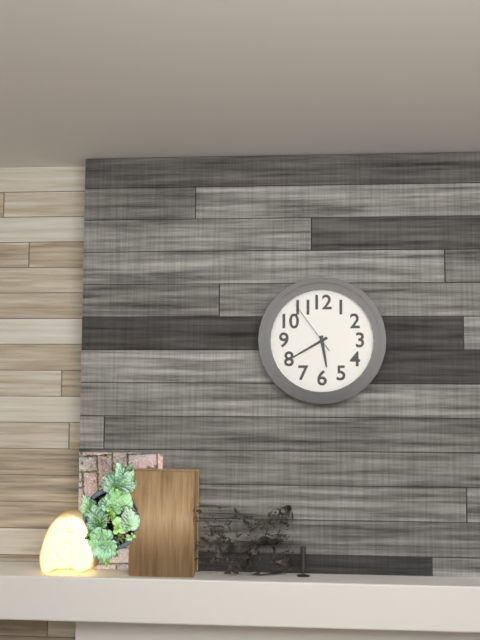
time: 5:40:54
